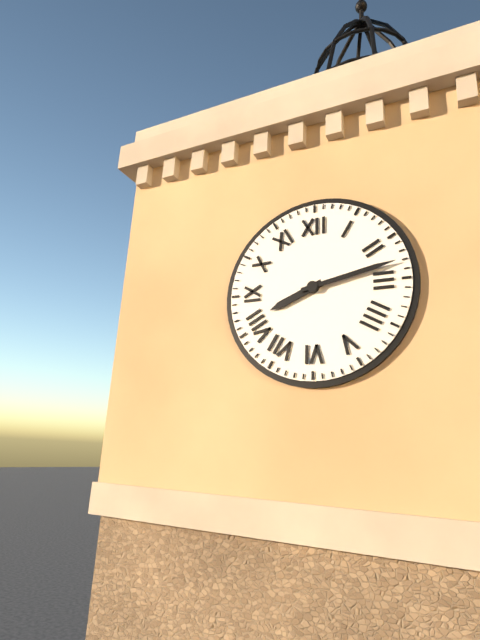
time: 8:13
